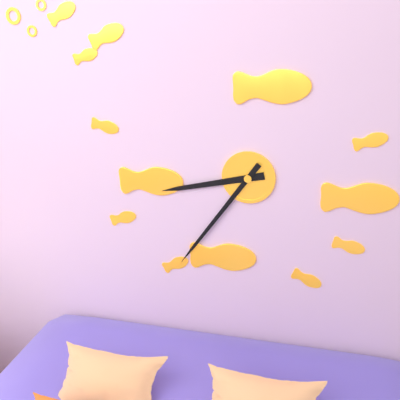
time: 8:36
